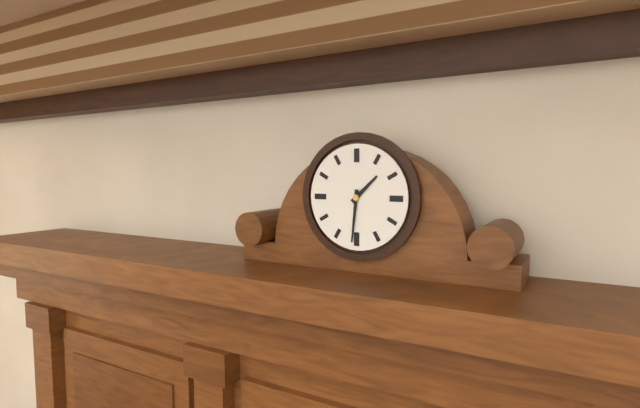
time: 1:31
